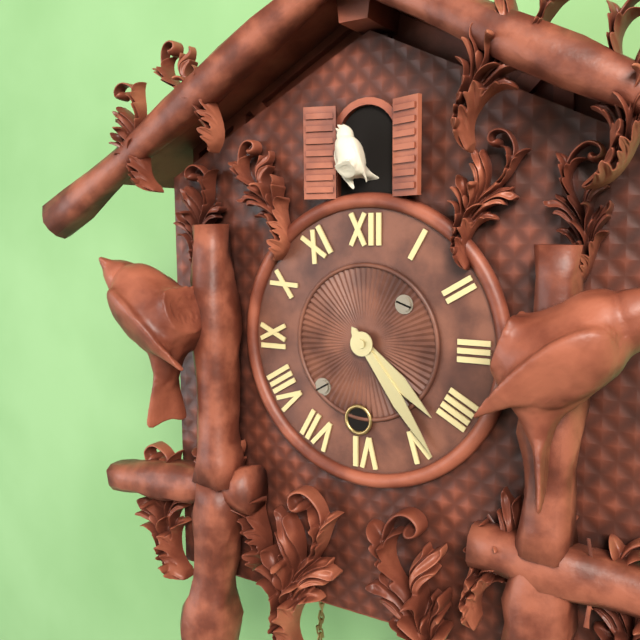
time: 4:24
